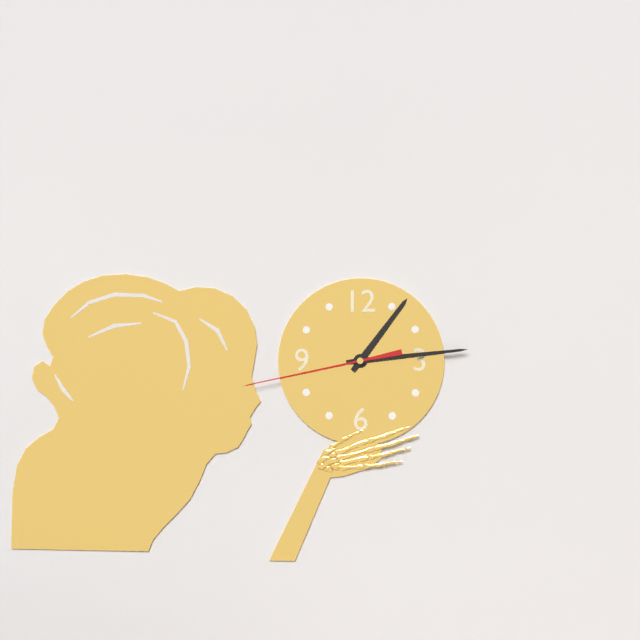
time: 1:14:43
